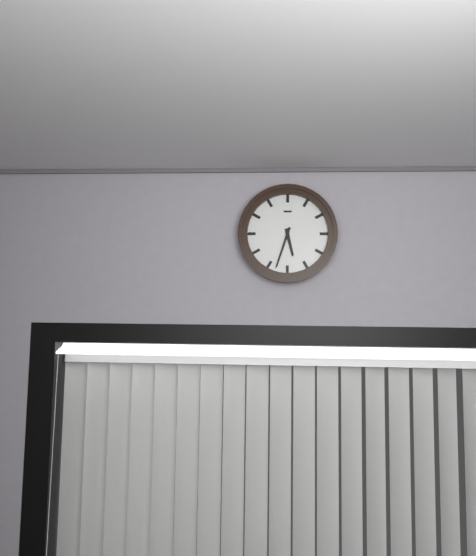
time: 5:33
